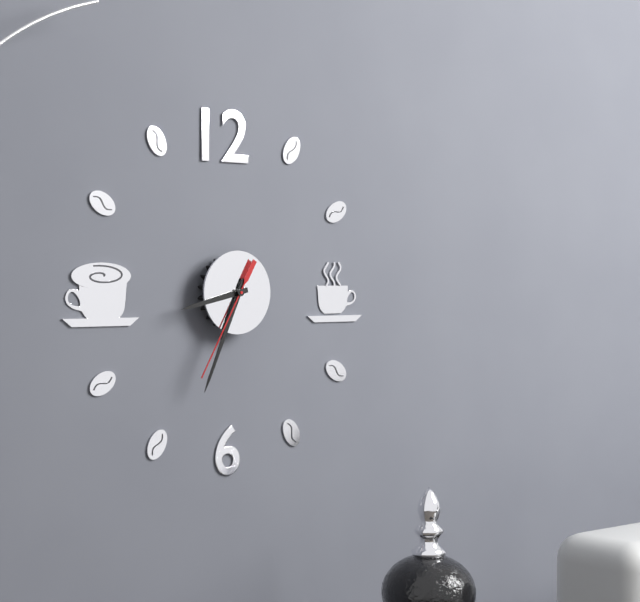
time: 8:34:35
